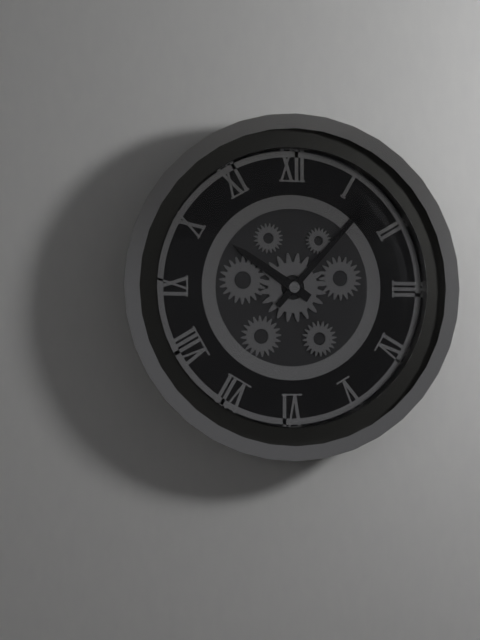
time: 10:07
